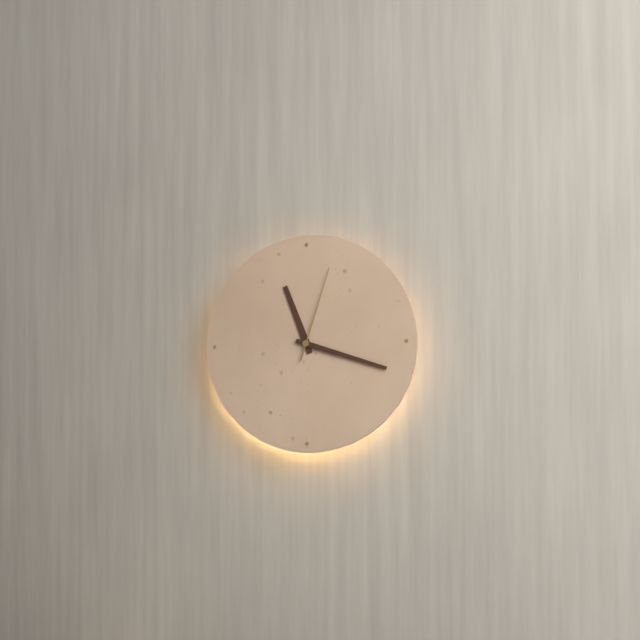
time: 11:18:03
